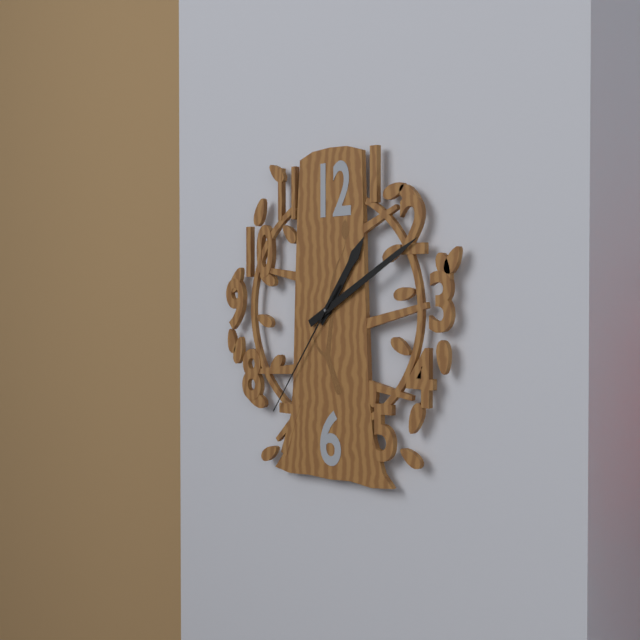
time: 1:10:36
